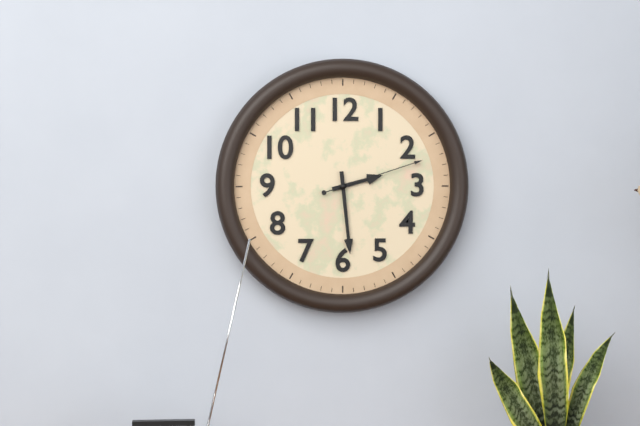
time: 2:29:12
